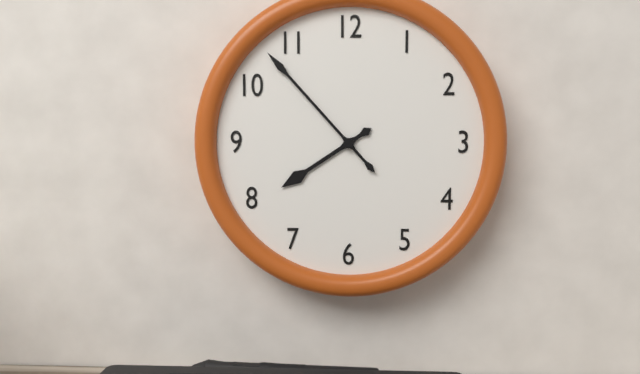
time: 7:53
